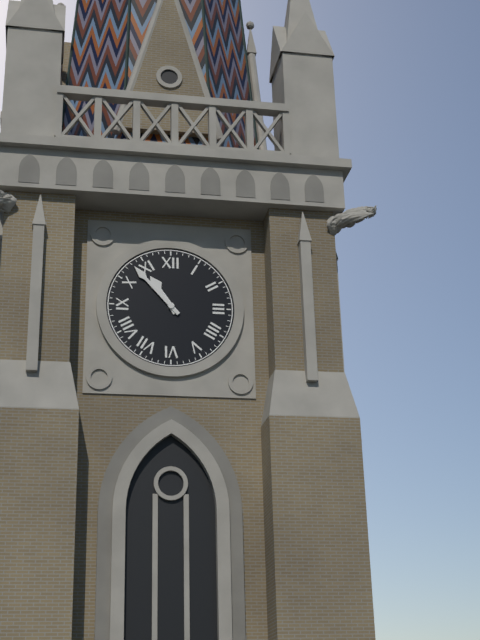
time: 10:53
